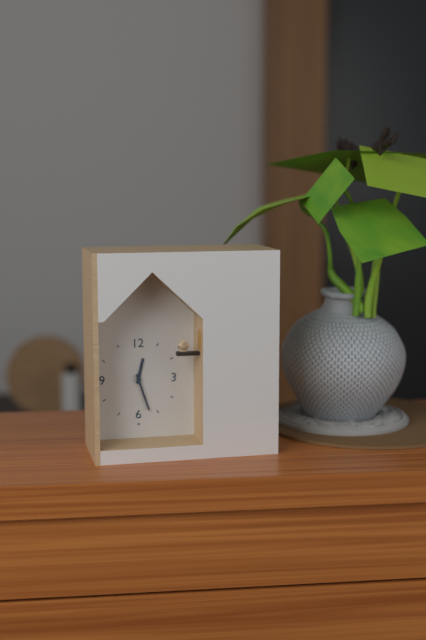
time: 12:27
